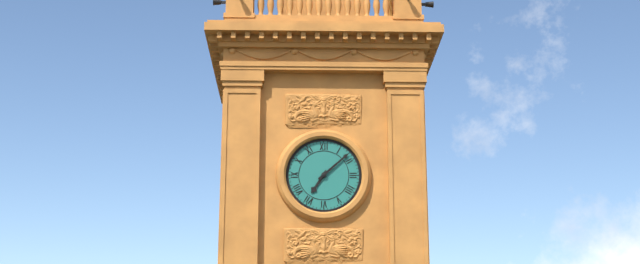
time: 7:08
